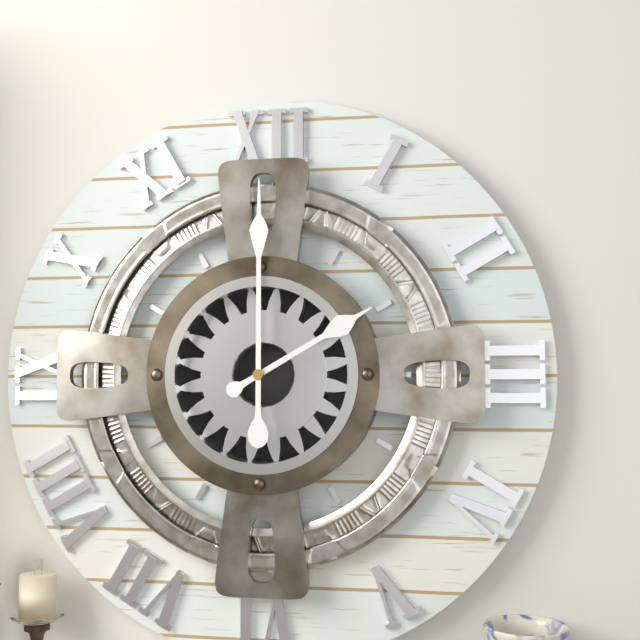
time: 2:00
